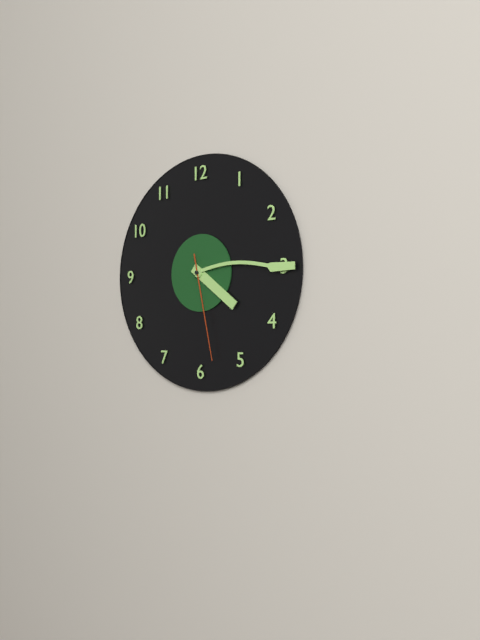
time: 4:15:28
